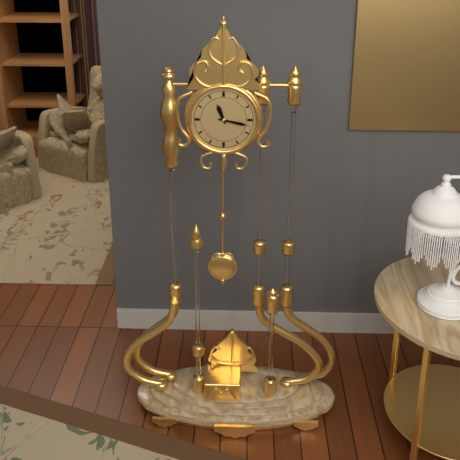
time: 11:17
